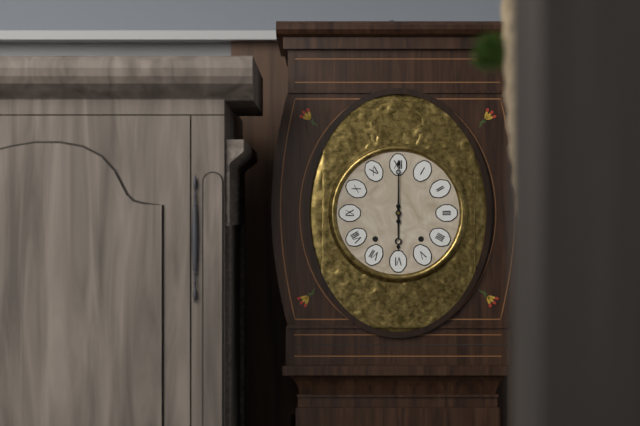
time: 6:00
